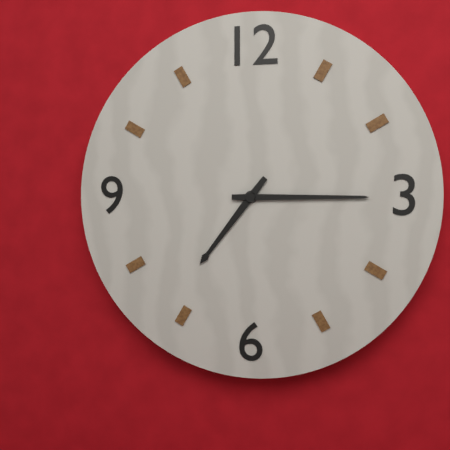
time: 7:15
